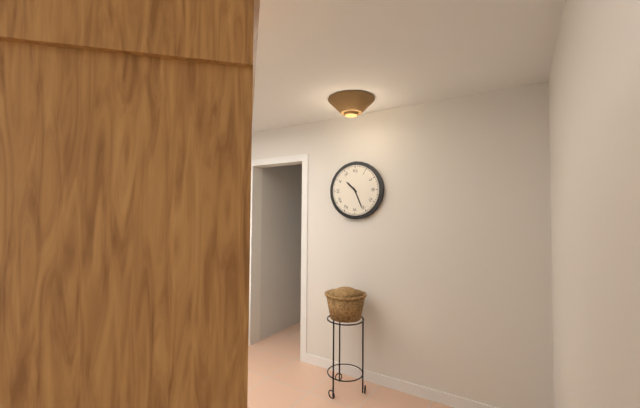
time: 10:26
